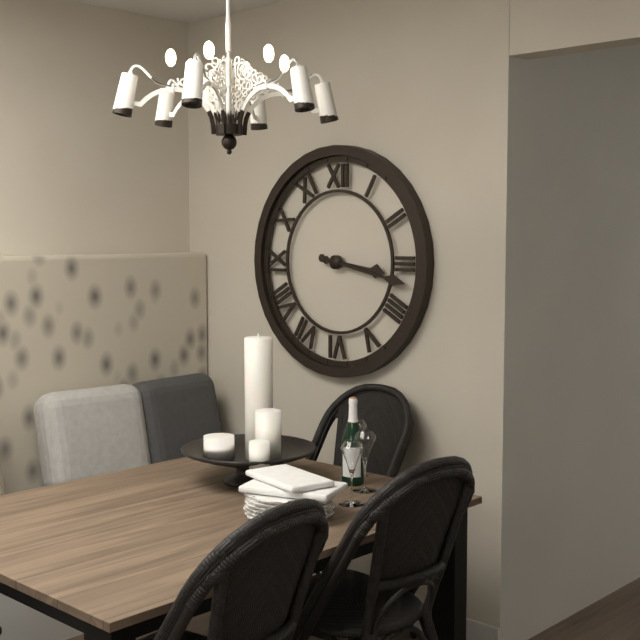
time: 3:17
